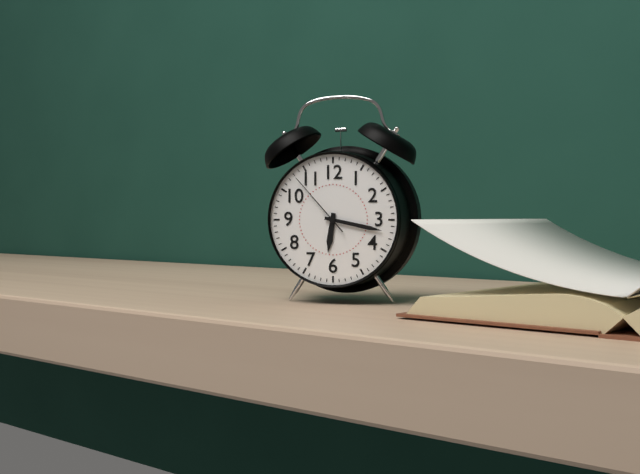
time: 6:17:53
